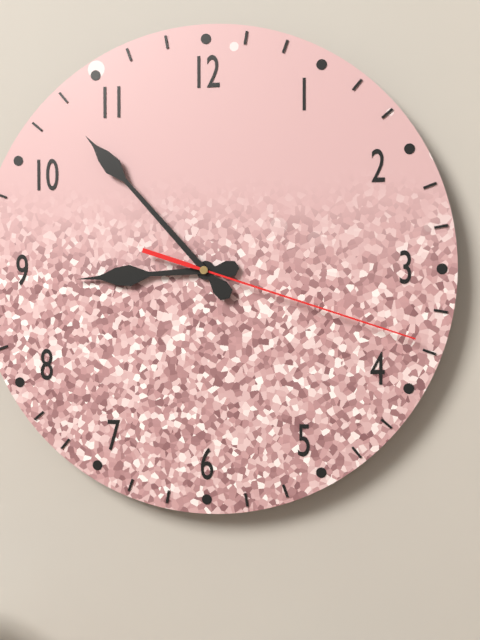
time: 8:53:18
